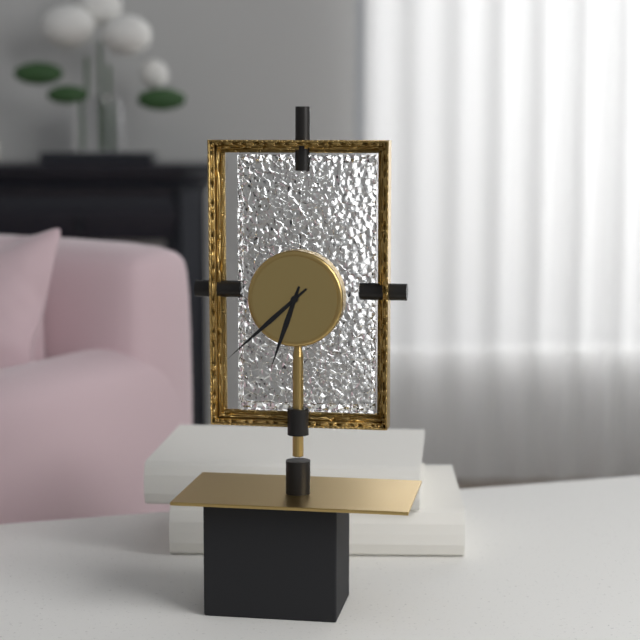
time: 6:38
